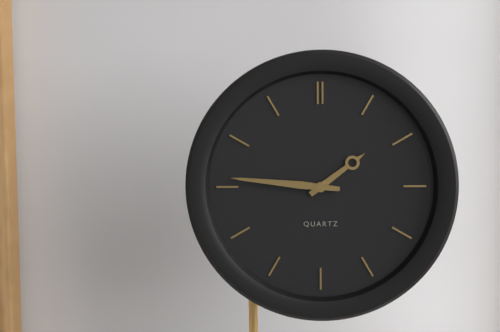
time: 1:46
